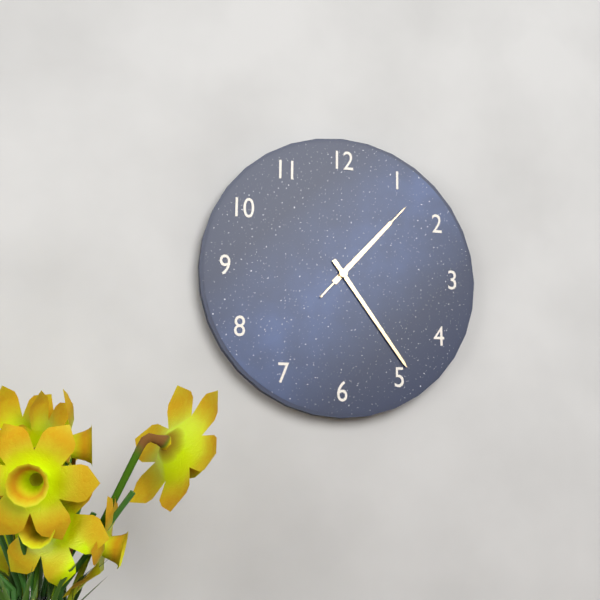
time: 1:24:07
